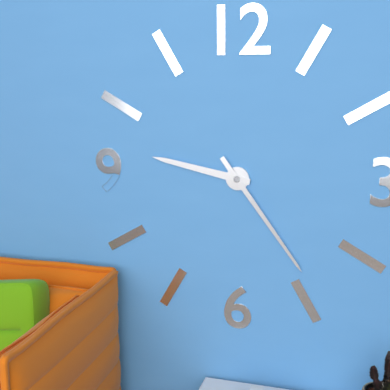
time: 9:24
